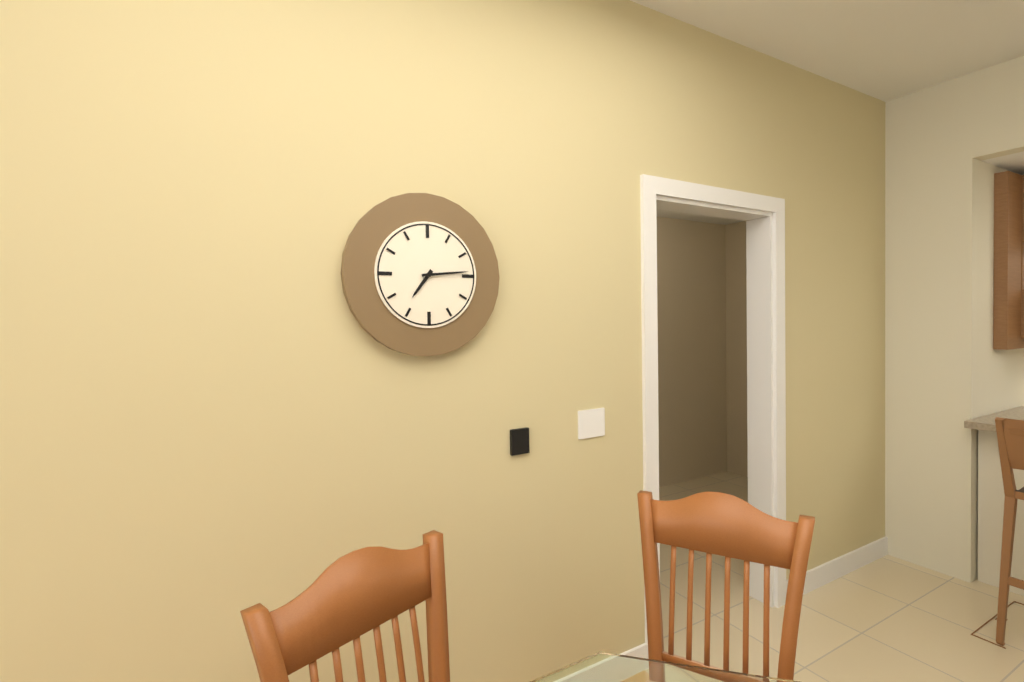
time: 7:14
